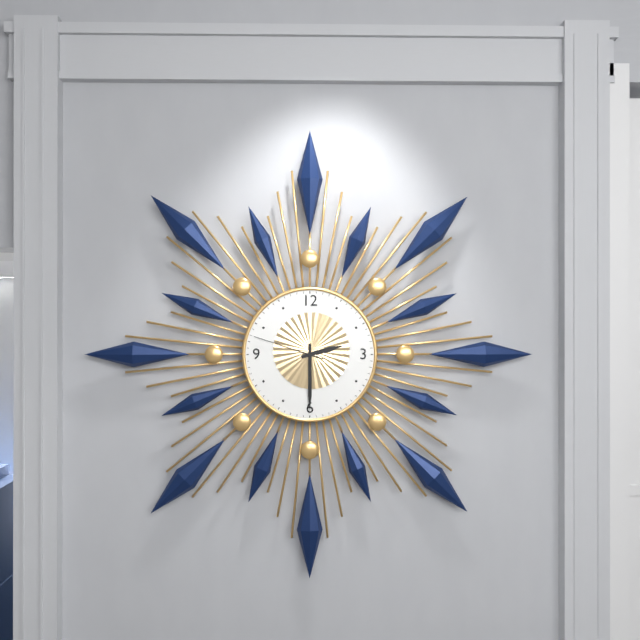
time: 2:30:48
